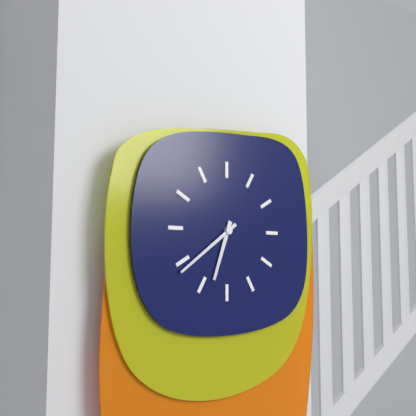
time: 6:39
